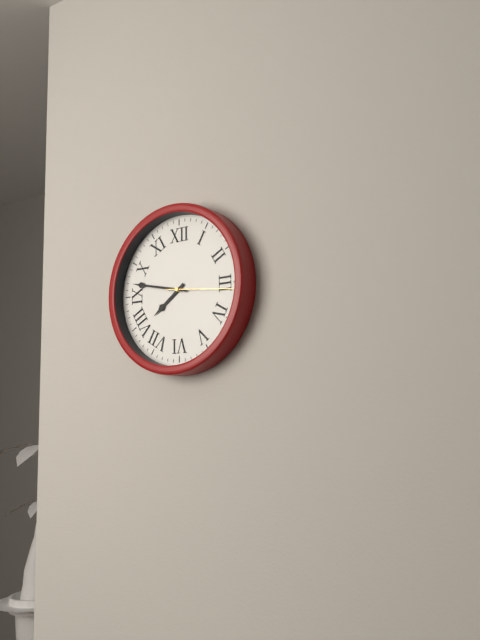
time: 7:47:16
